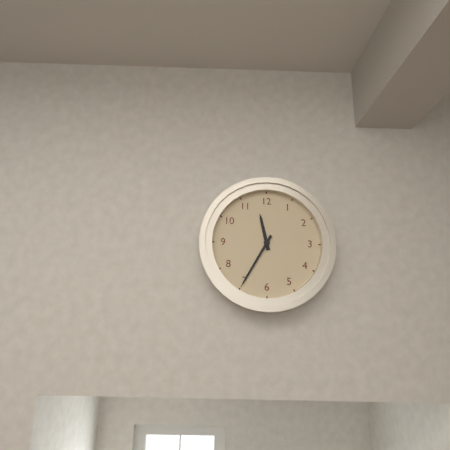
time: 11:35
